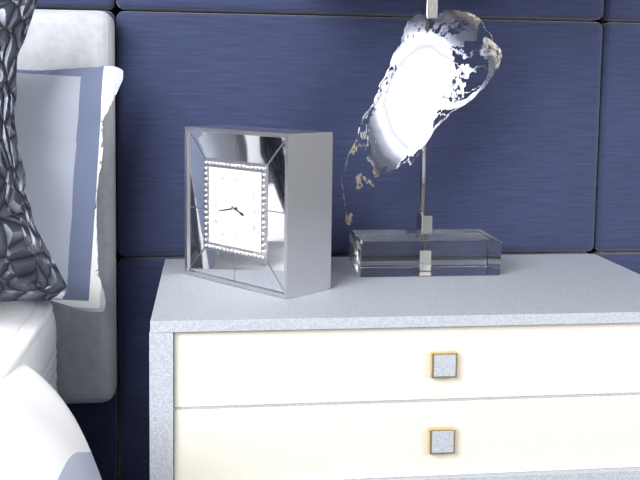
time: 3:43
